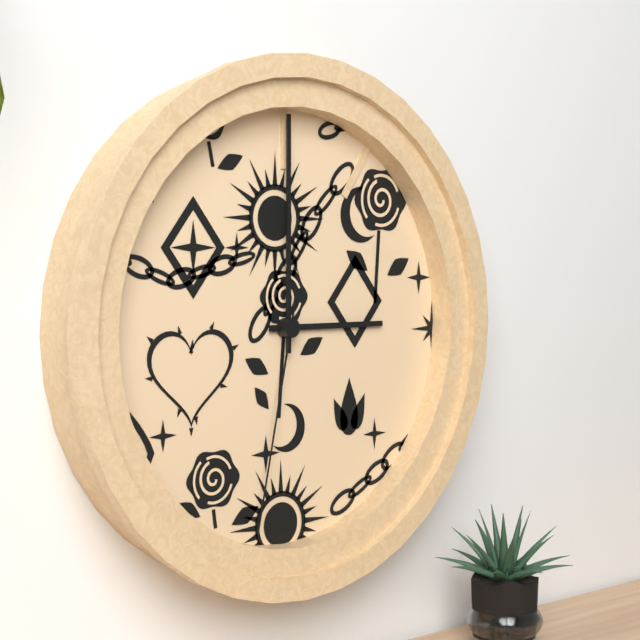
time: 3:00:32
